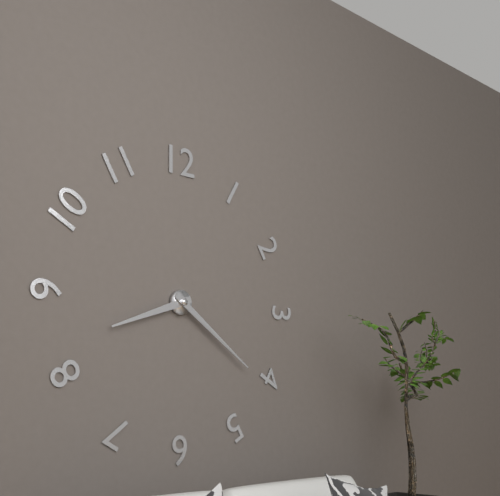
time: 8:21
